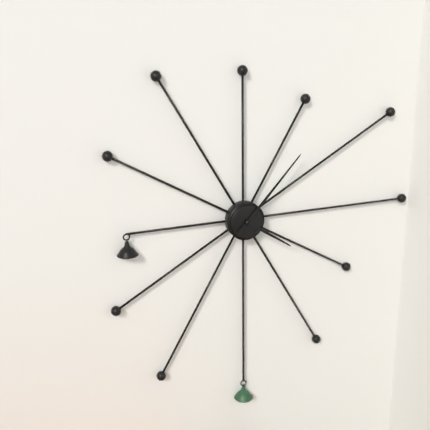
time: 4:07
